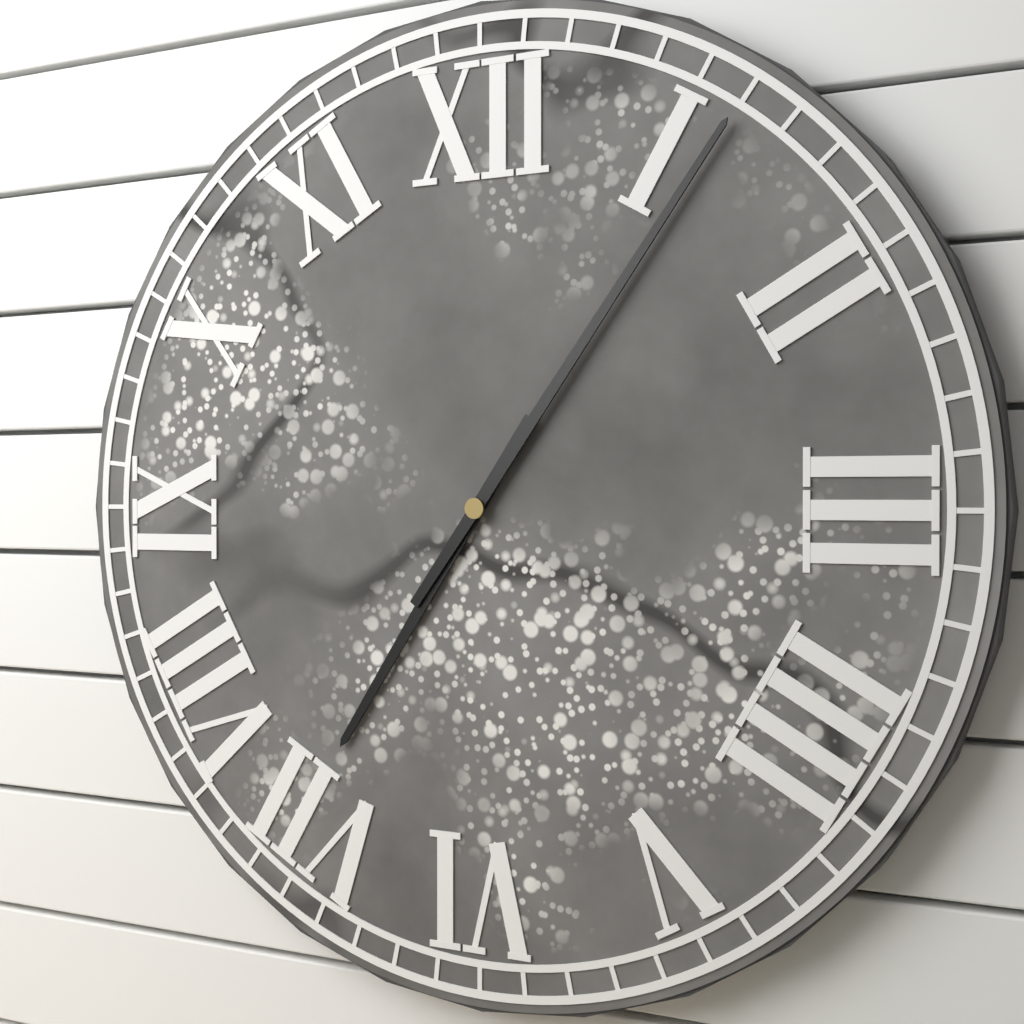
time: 7:06
